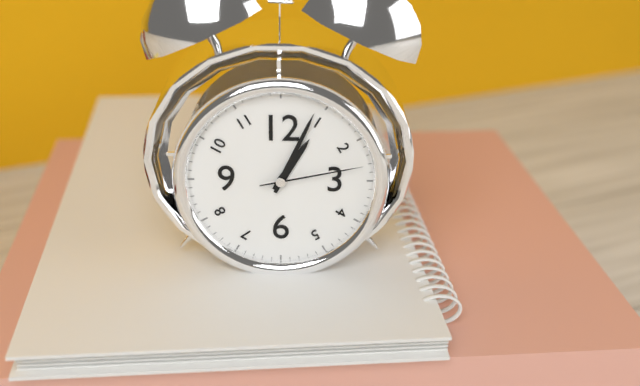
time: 1:04:13
